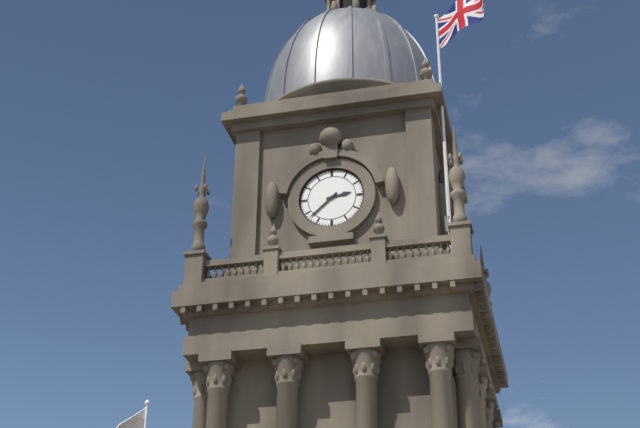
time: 2:38
